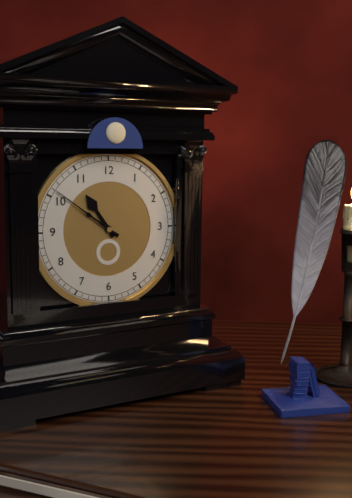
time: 10:51
